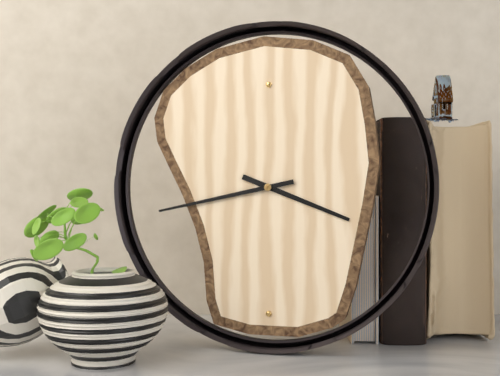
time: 3:43
